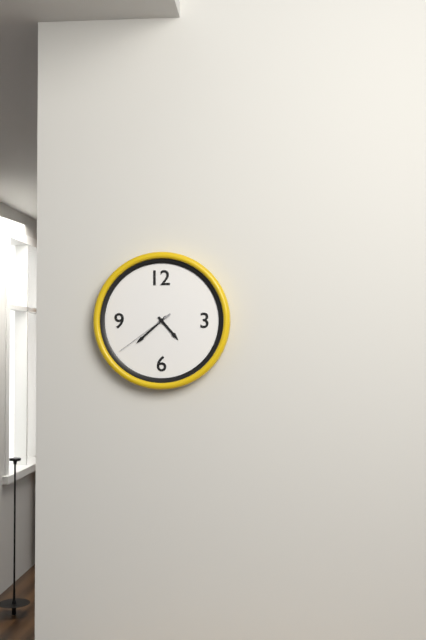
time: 4:38:39
